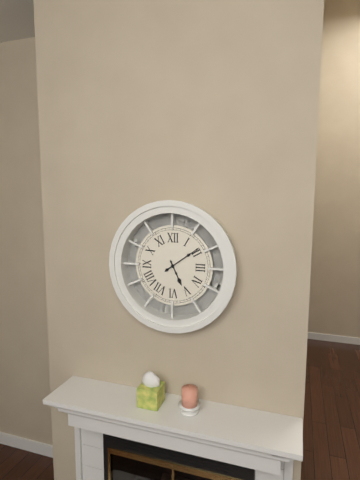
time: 5:09
